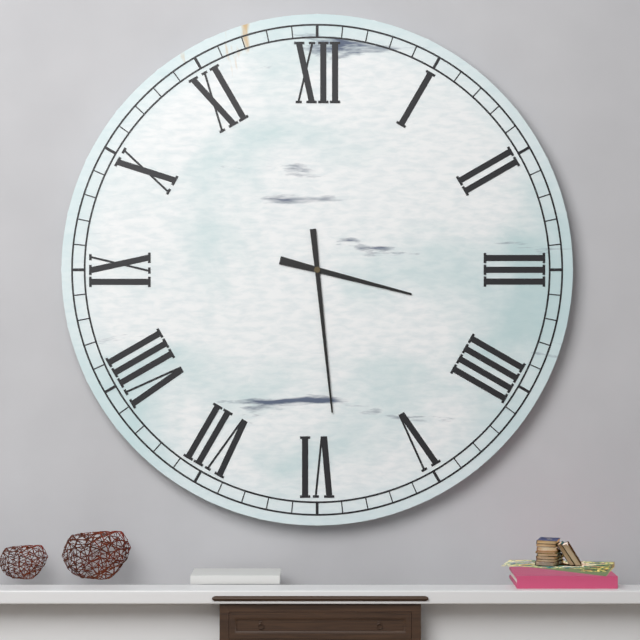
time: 3:29
